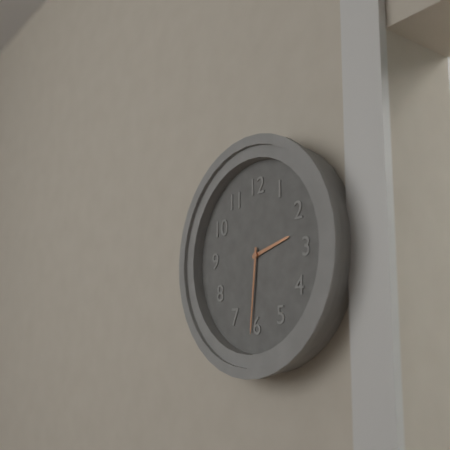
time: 2:31
